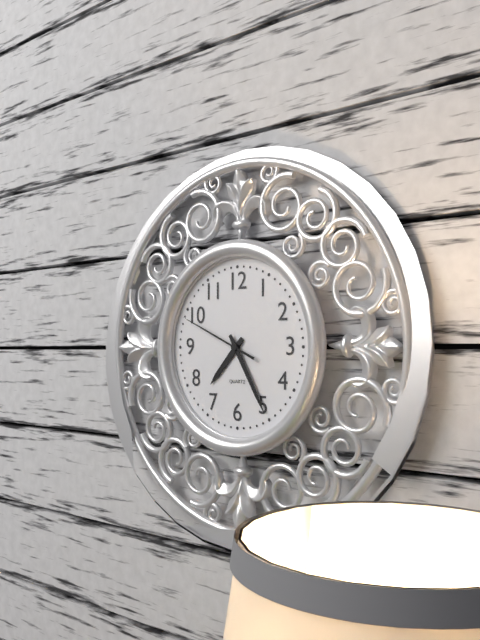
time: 7:25:49
